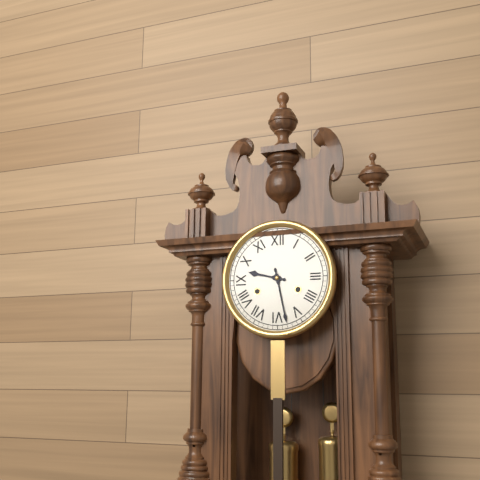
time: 9:28
